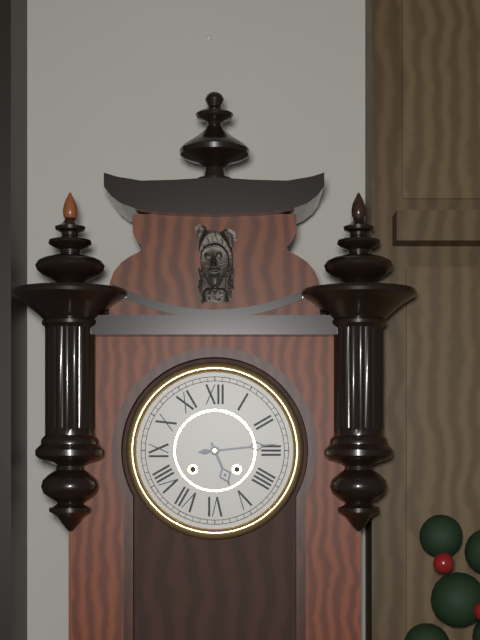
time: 5:14
